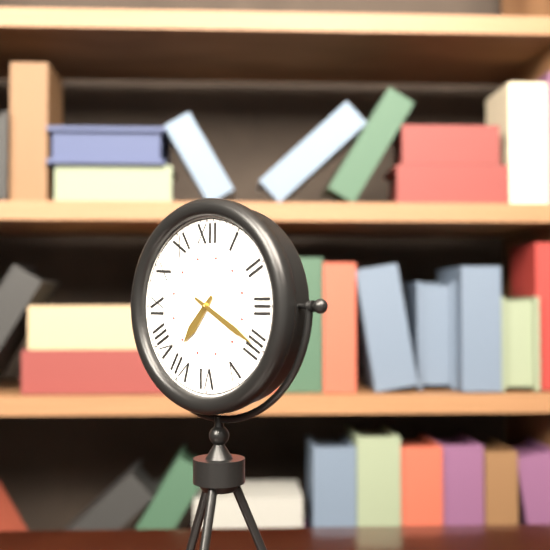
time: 7:20
